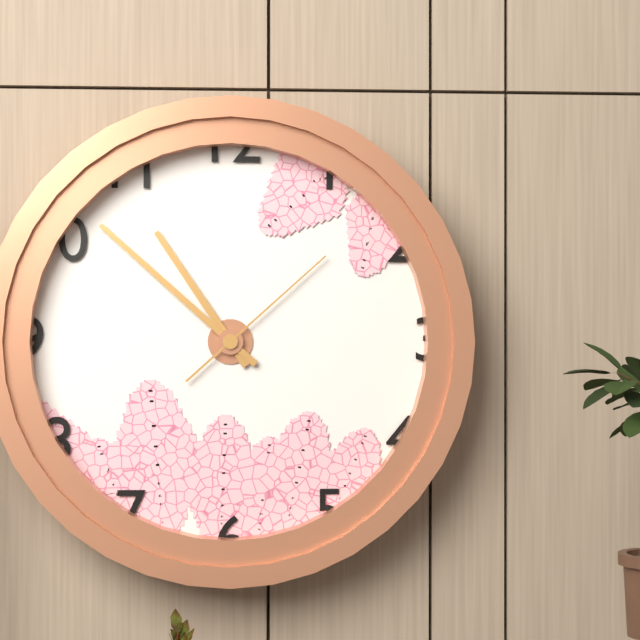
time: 10:52:08
